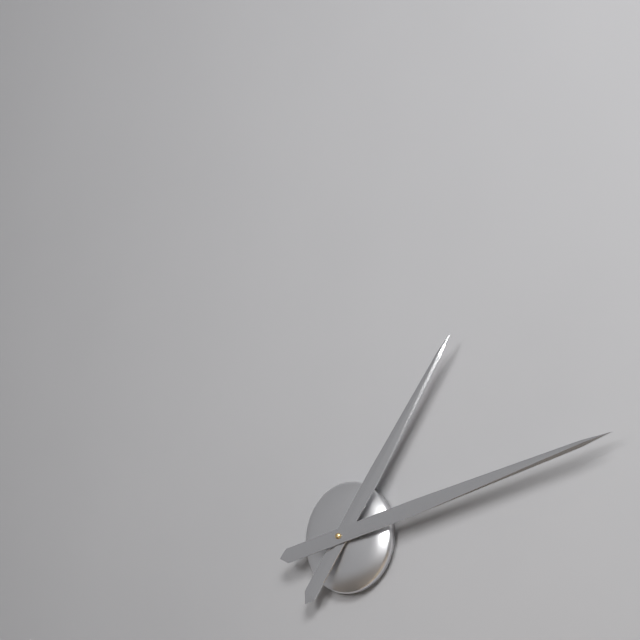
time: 1:13
